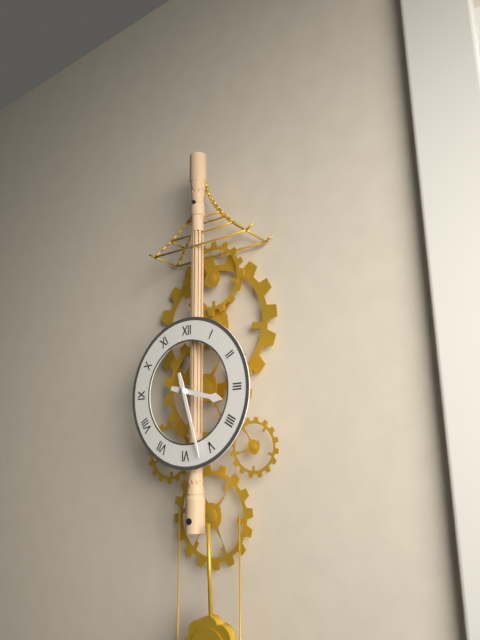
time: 3:27
